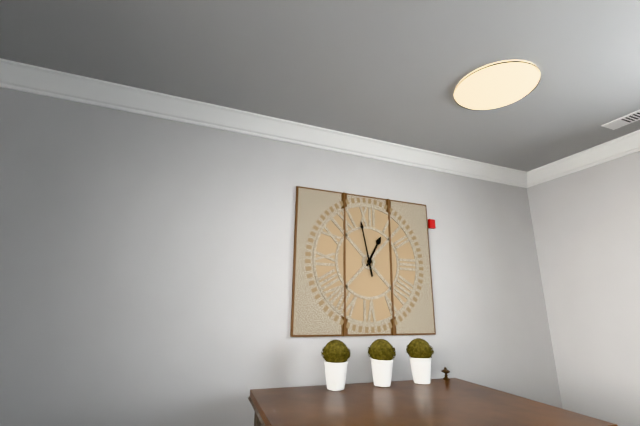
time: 12:58
